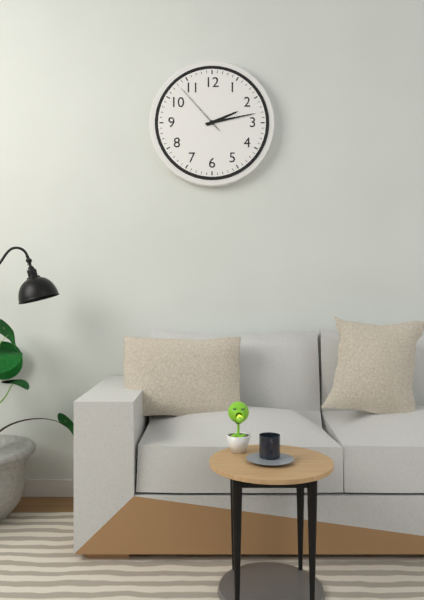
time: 2:13:53
